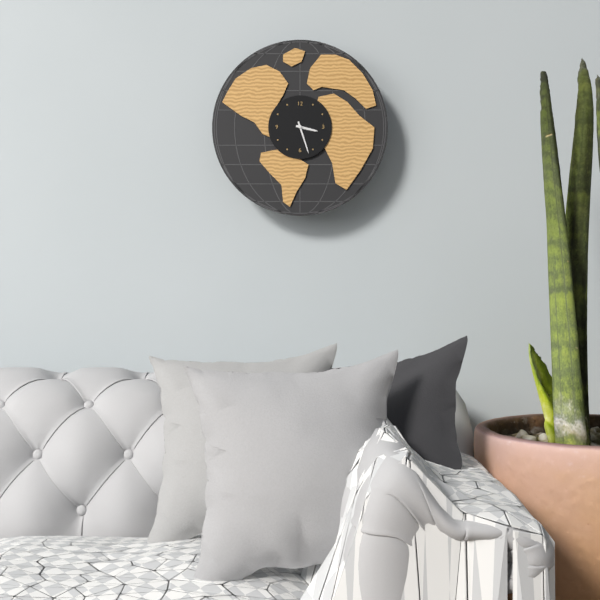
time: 3:27
